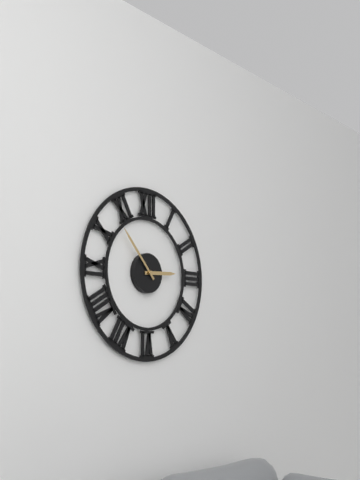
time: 2:53
